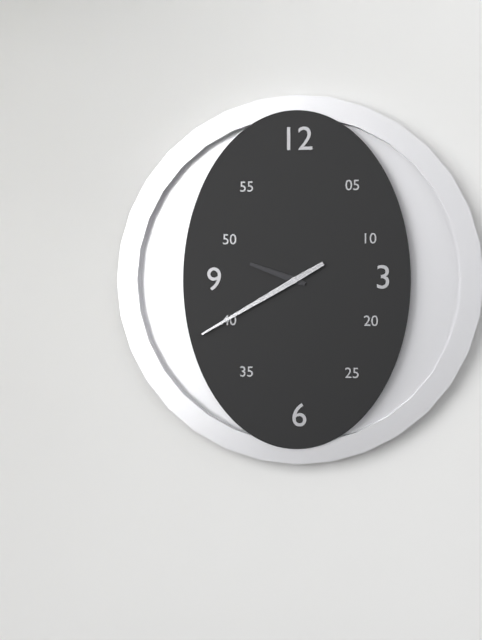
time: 9:40
